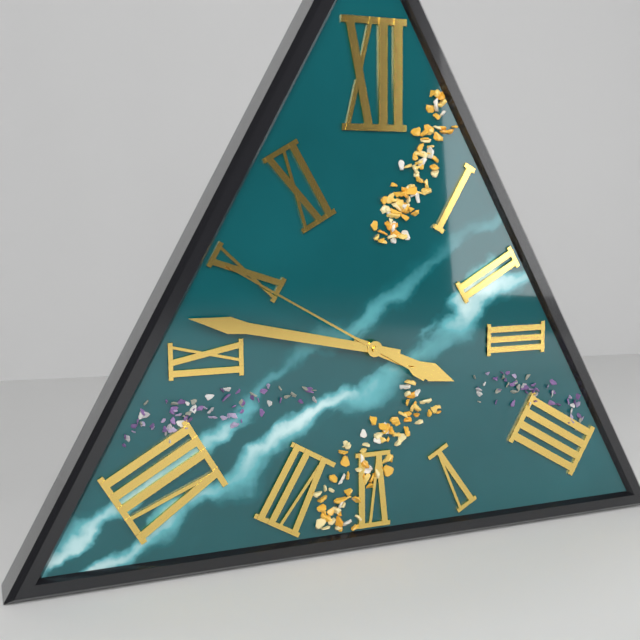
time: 3:47:50
